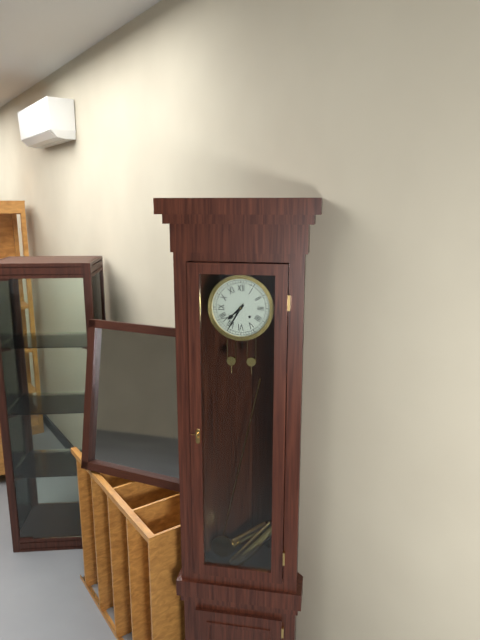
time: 7:35
